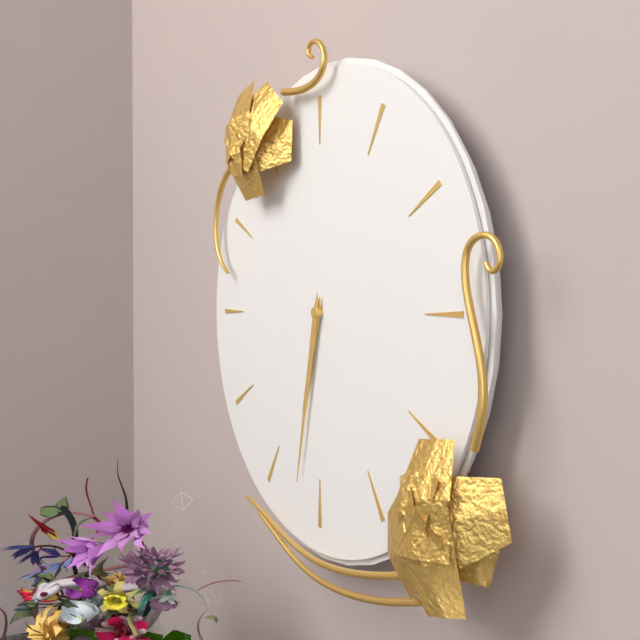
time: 6:32
